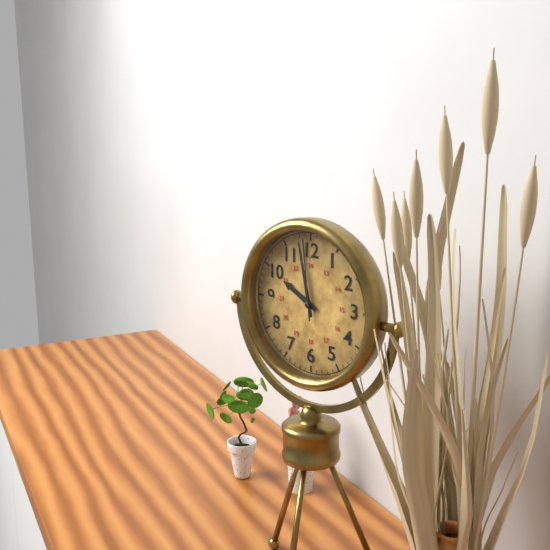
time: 9:58:59
